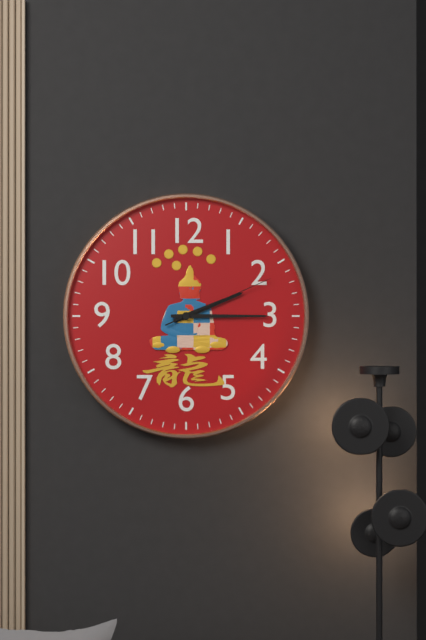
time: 2:15:11
